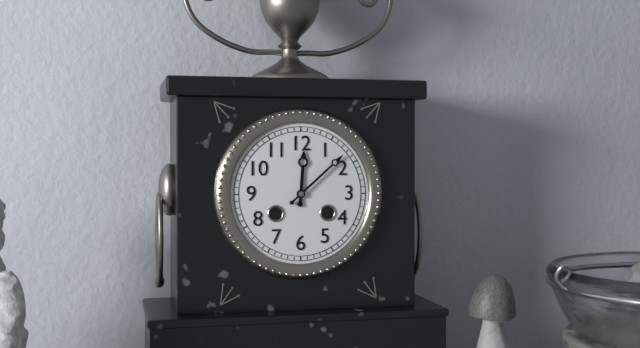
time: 12:08
